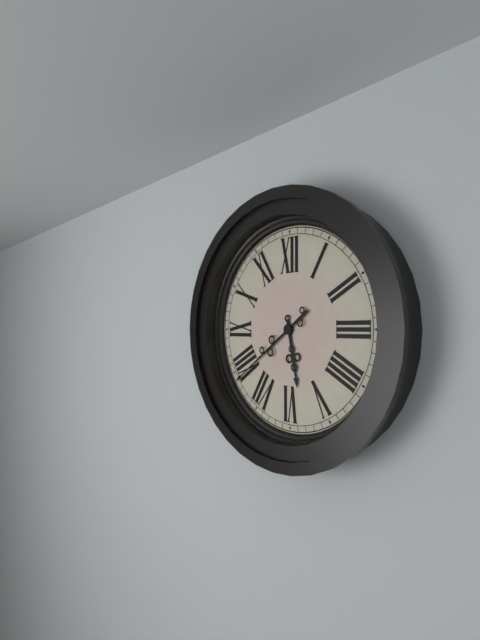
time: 5:39
